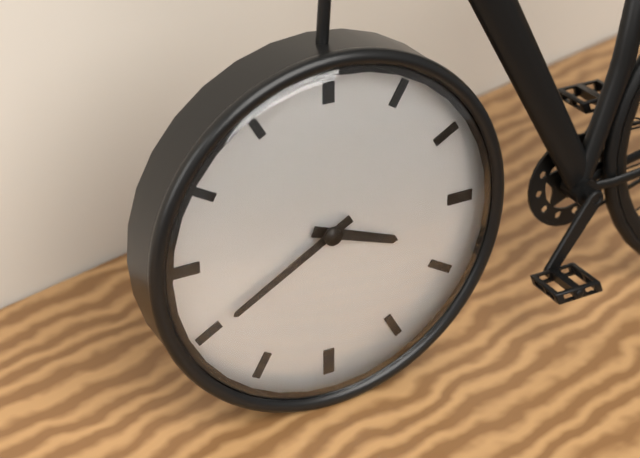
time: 3:40
